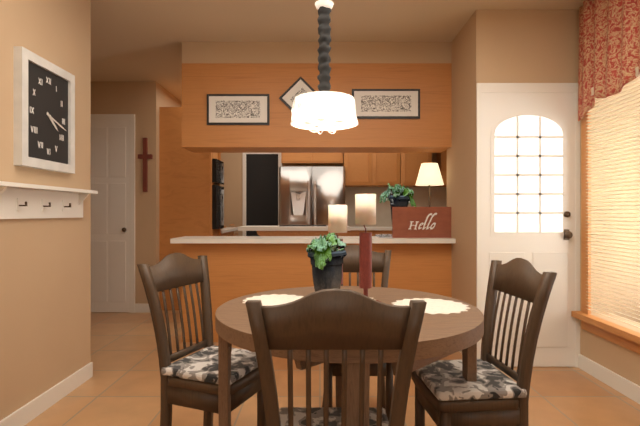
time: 4:18
